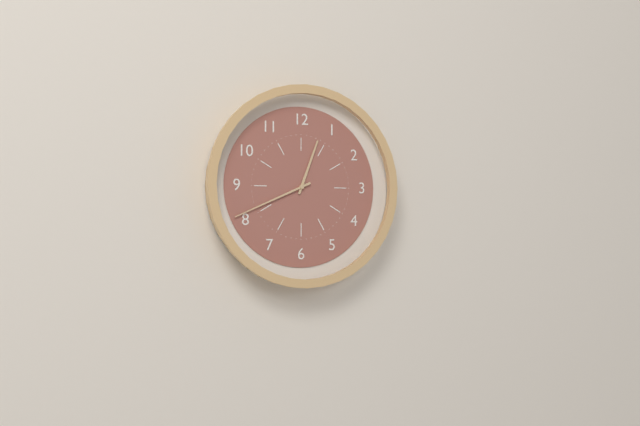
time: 12:41
